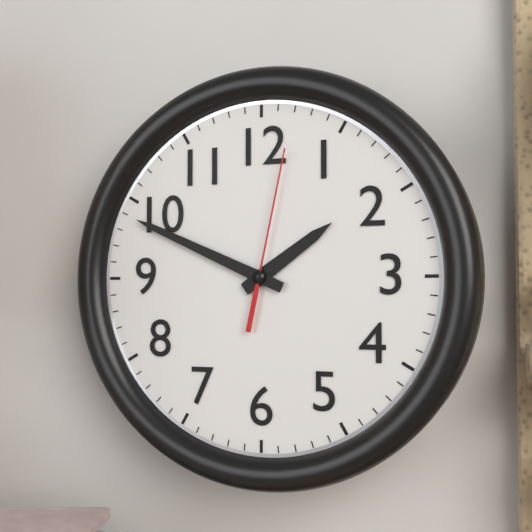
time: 1:49:02
